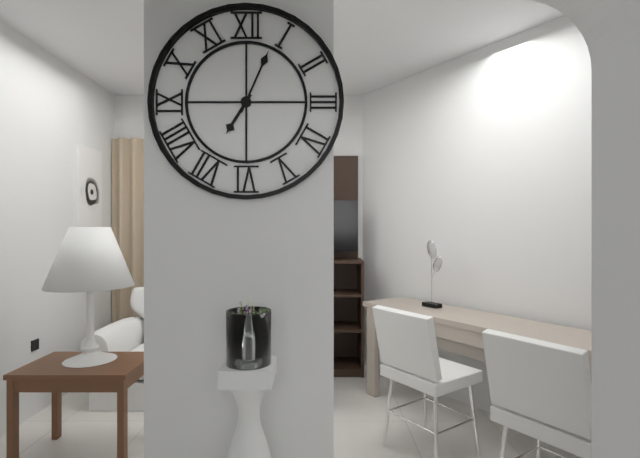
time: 7:04
